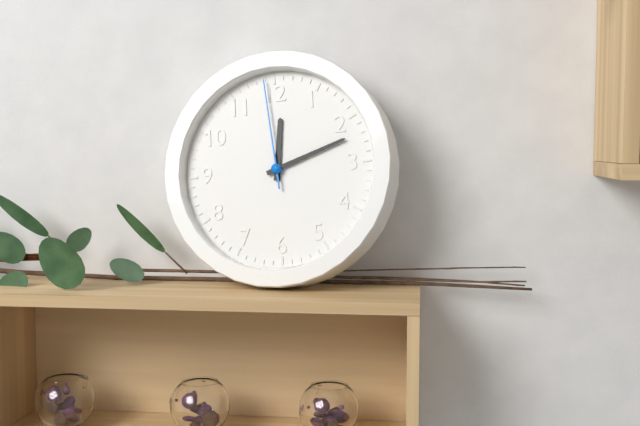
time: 12:12:59
